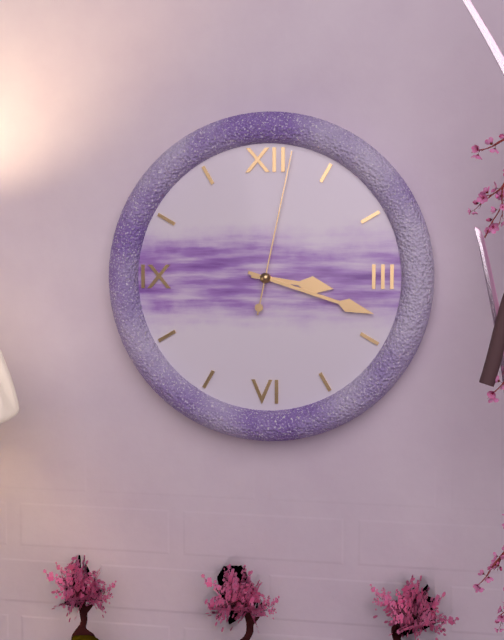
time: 3:18:02
